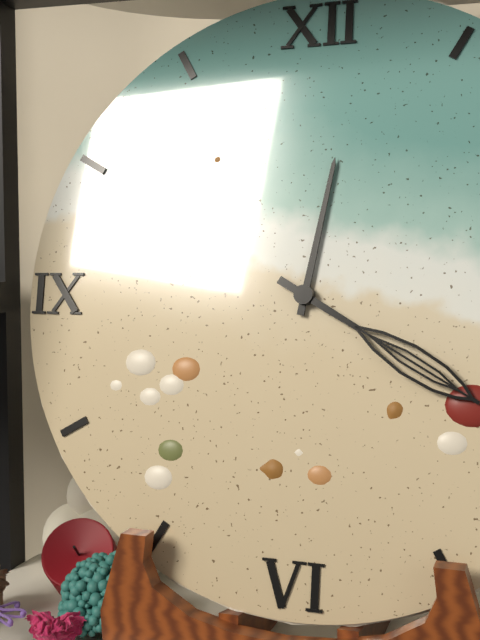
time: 12:20
